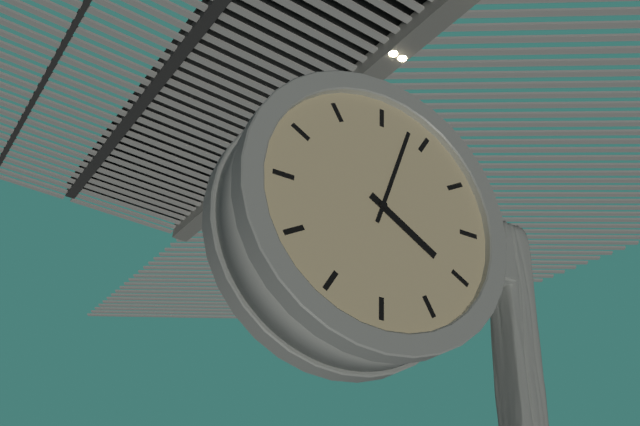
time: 4:03
